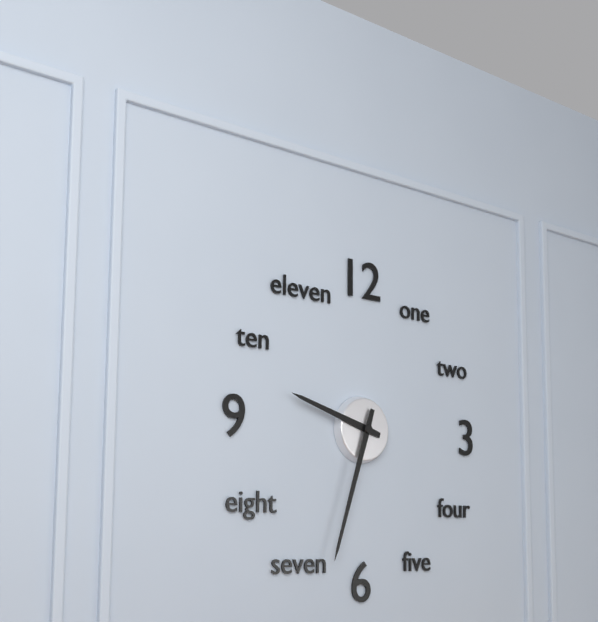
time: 9:33
